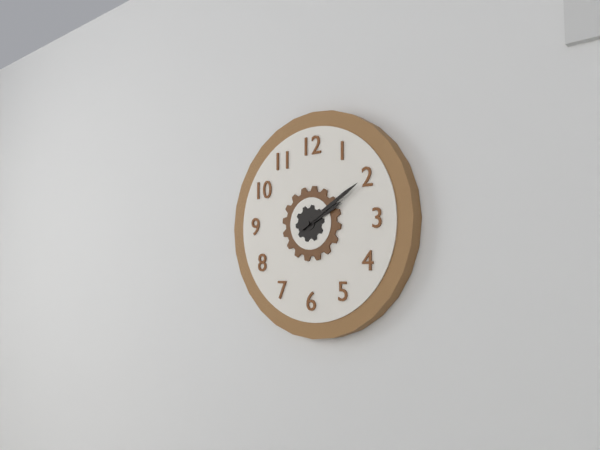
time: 2:10
